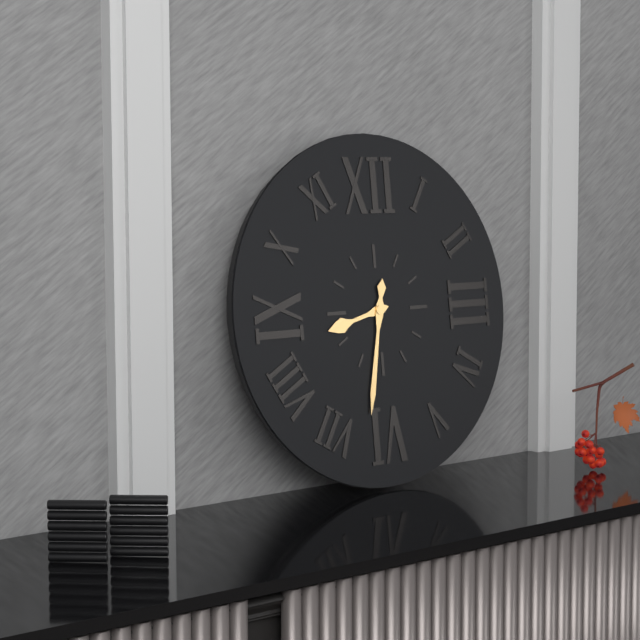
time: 8:32
